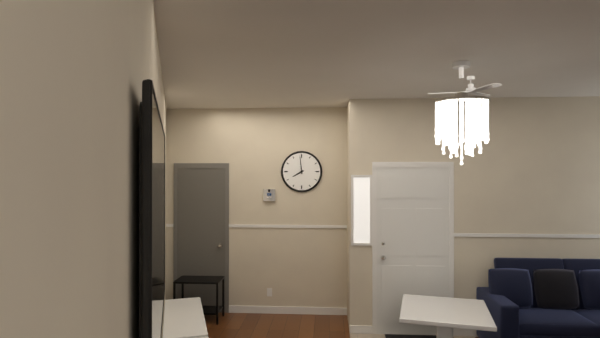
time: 7:59
